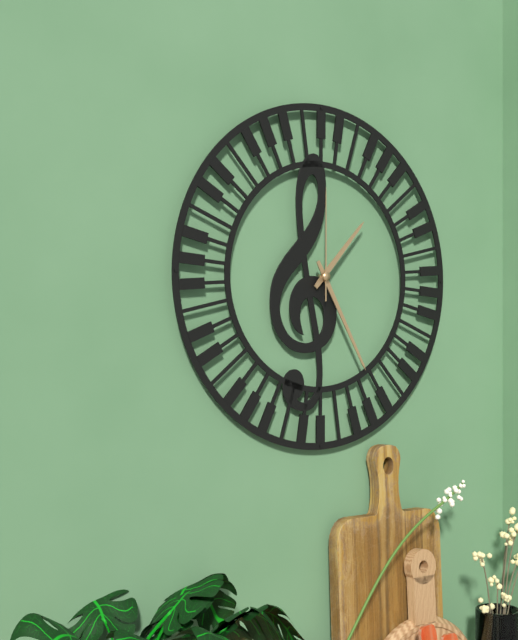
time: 1:25:00
